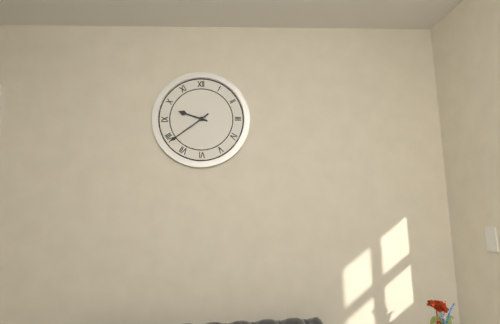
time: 9:39
